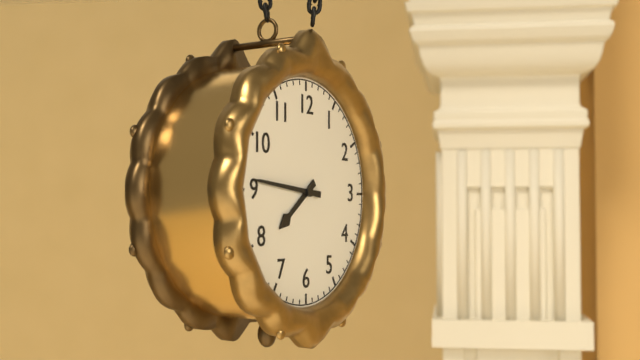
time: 7:46
